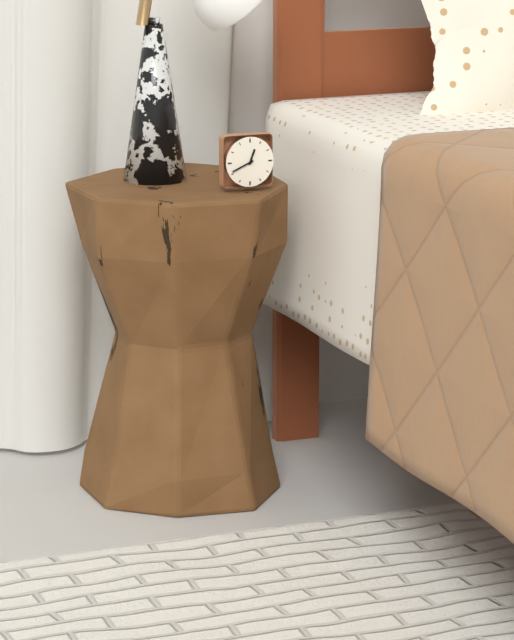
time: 12:41
